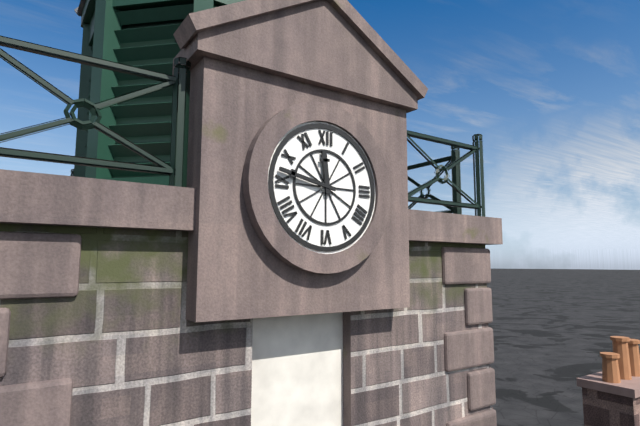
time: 11:47
